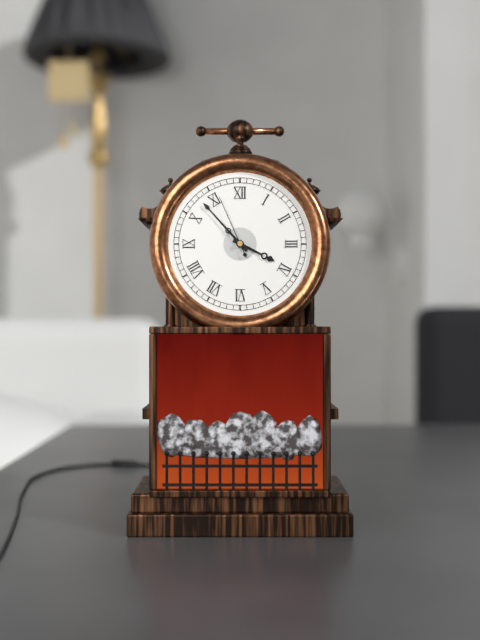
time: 3:53:56
